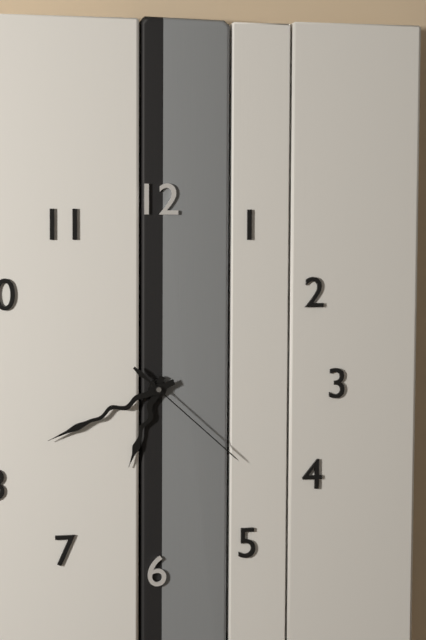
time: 6:41:22
